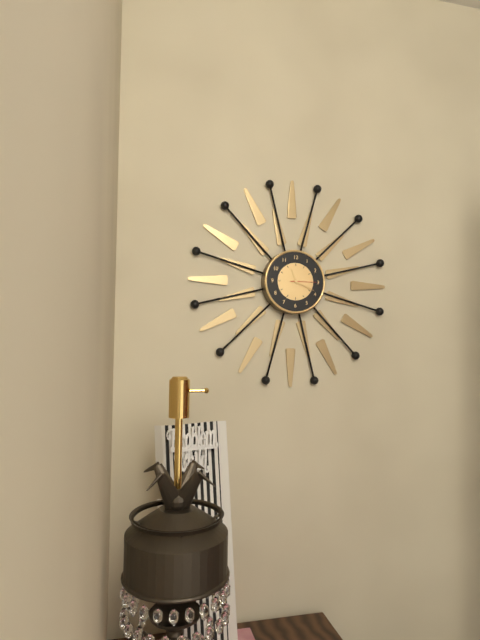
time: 11:19
